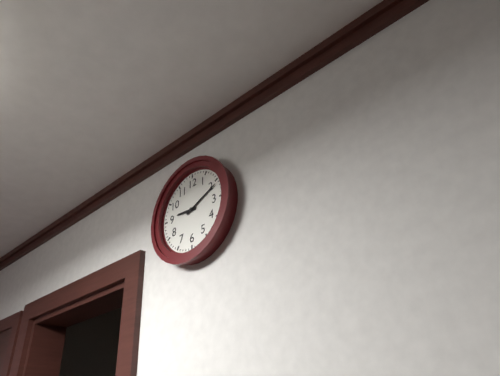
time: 9:11
